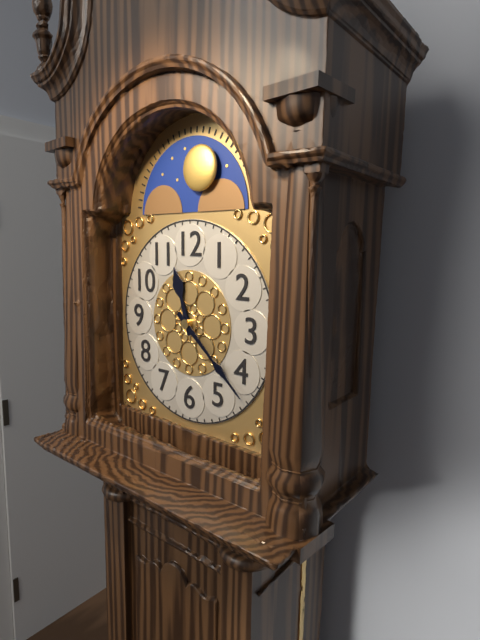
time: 11:22
